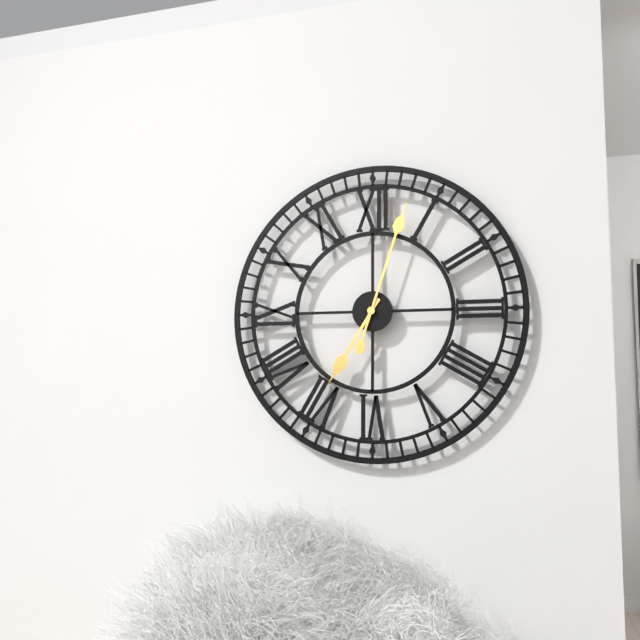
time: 7:03
